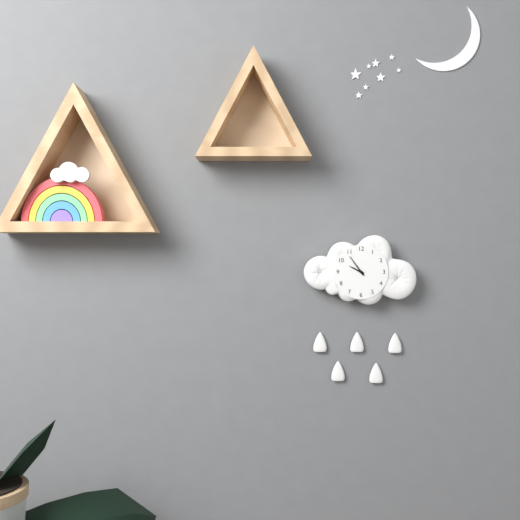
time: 9:54
